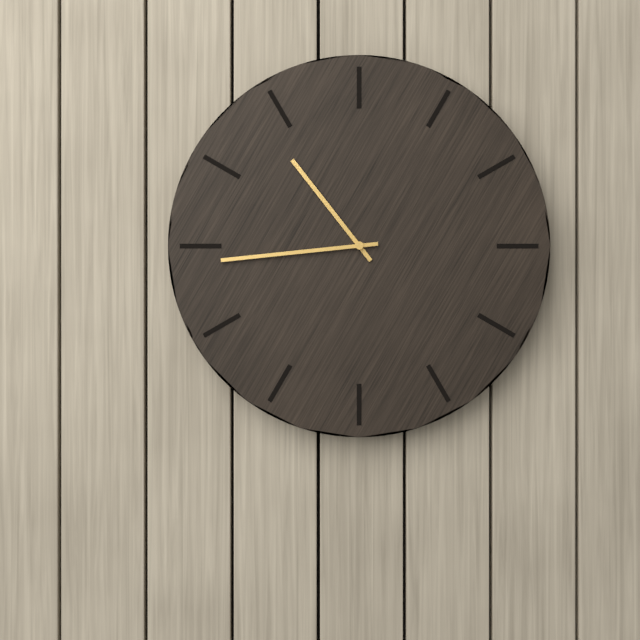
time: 10:44
